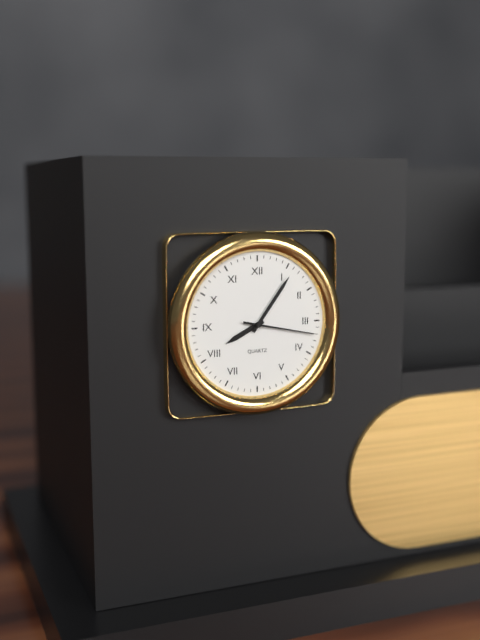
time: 8:06:17
